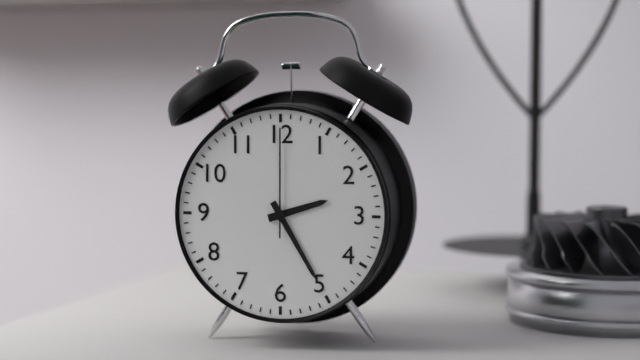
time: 2:25:00
